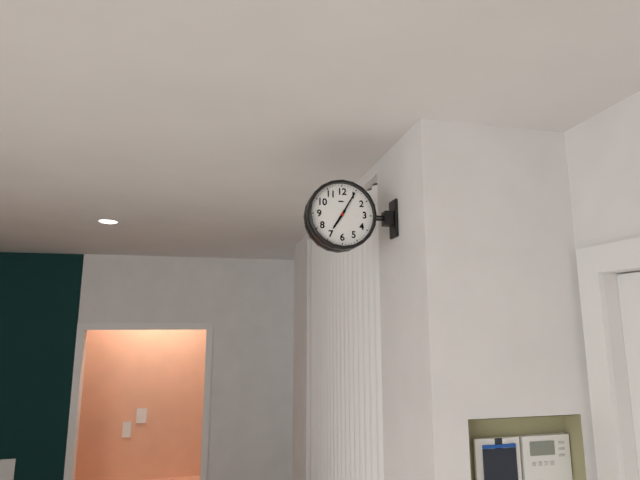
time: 7:05
